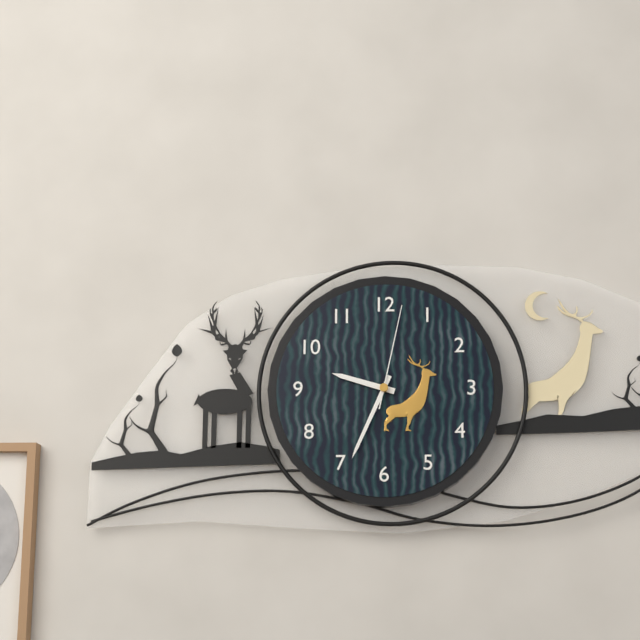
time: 9:34:02
